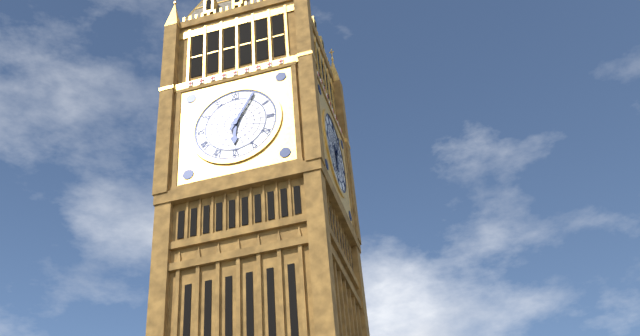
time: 6:05
